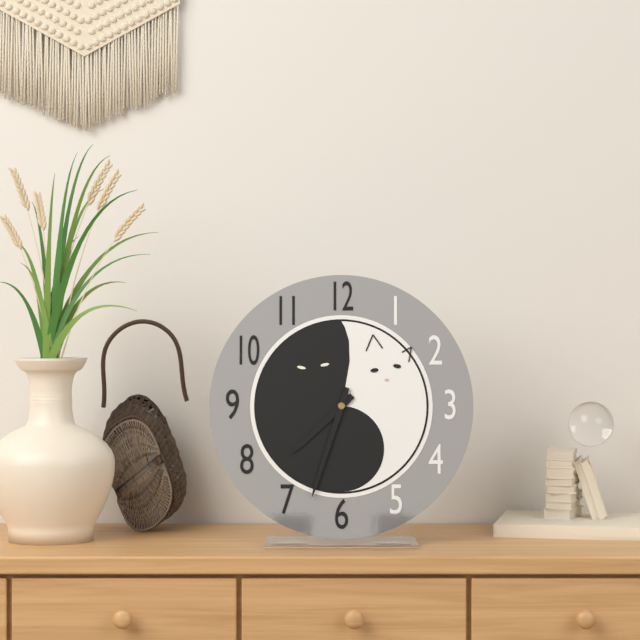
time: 7:33
